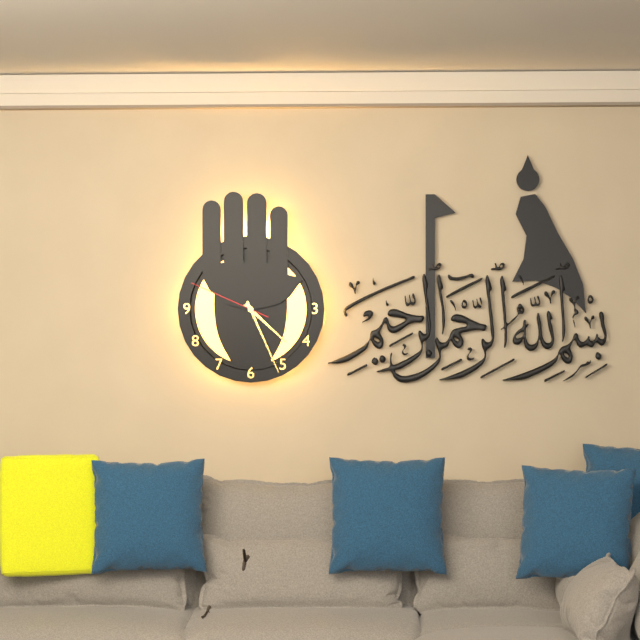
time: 4:26:49
